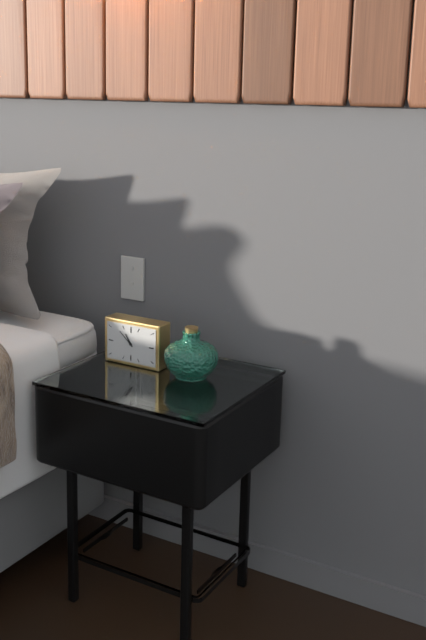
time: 10:52
